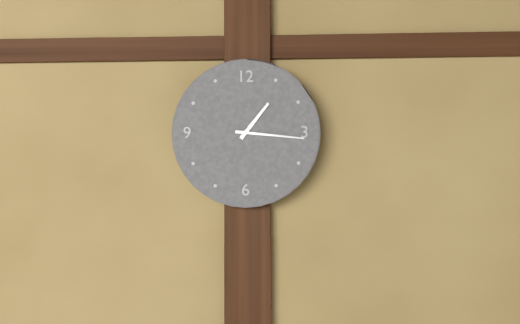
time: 1:16
